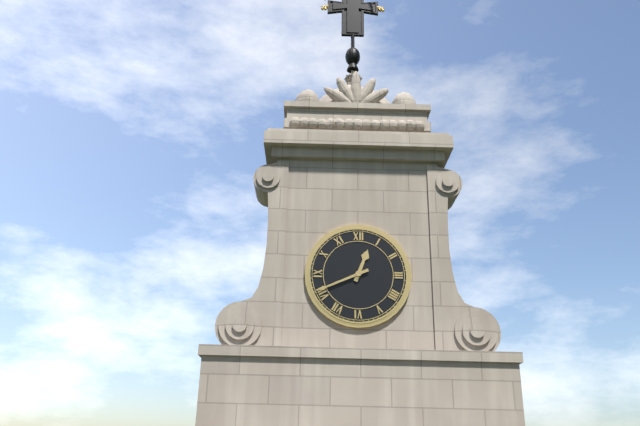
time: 12:41
